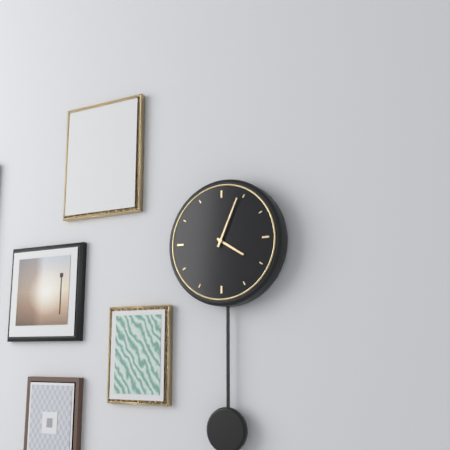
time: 4:04
